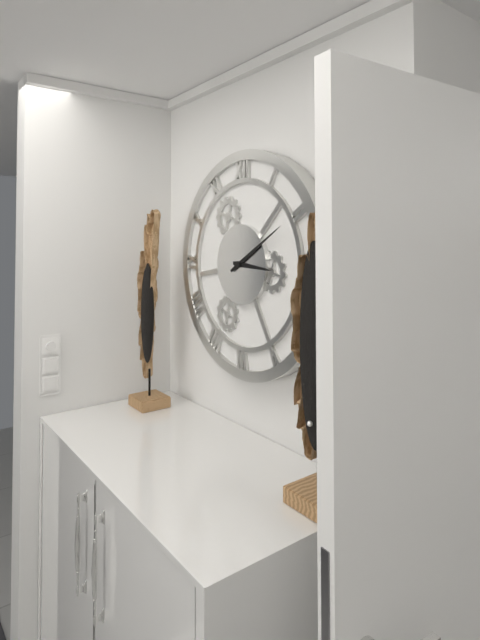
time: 3:10
